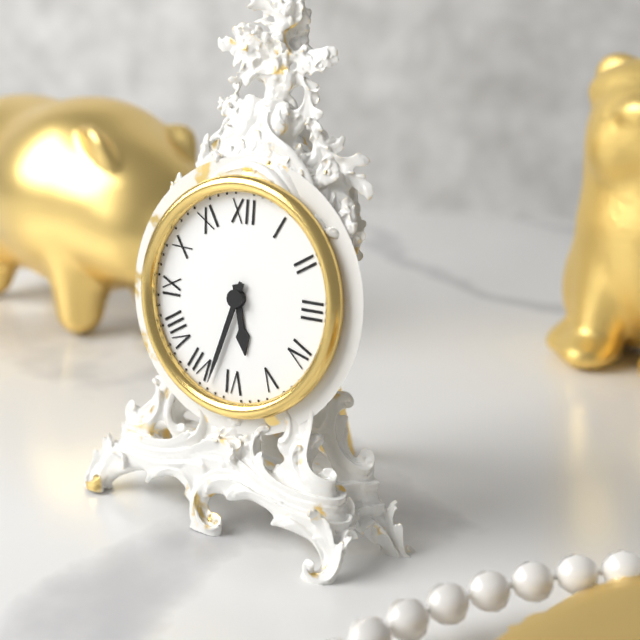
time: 5:33
